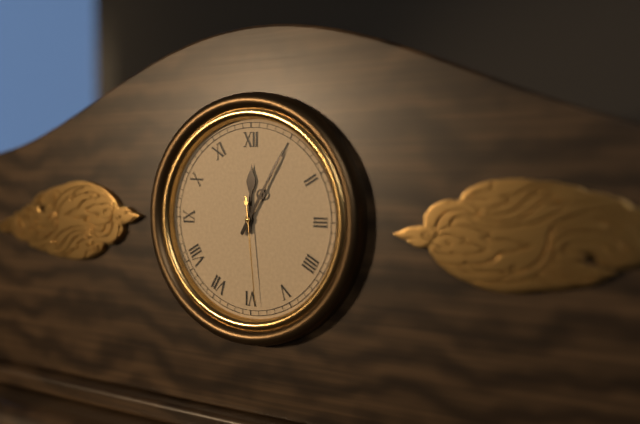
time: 12:05:29
